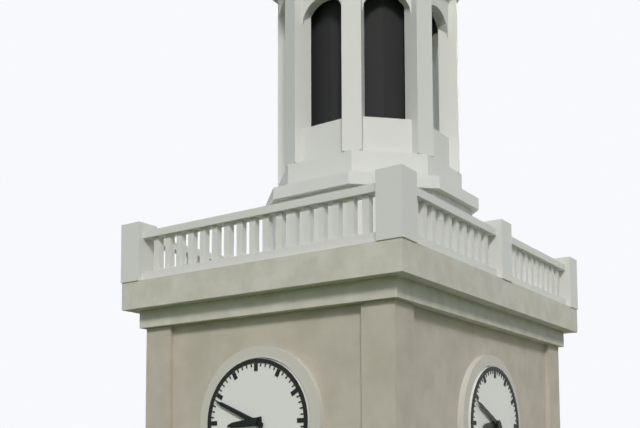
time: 8:49
